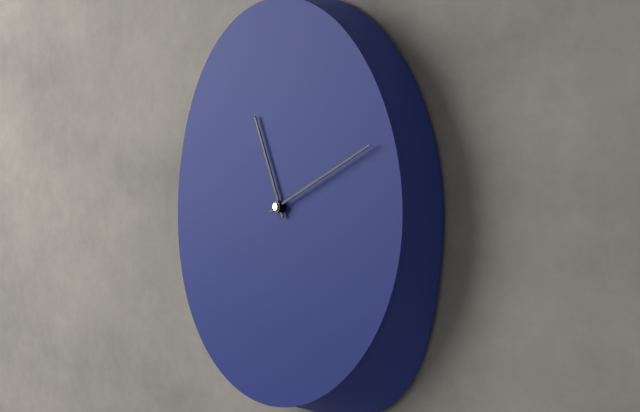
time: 11:11
